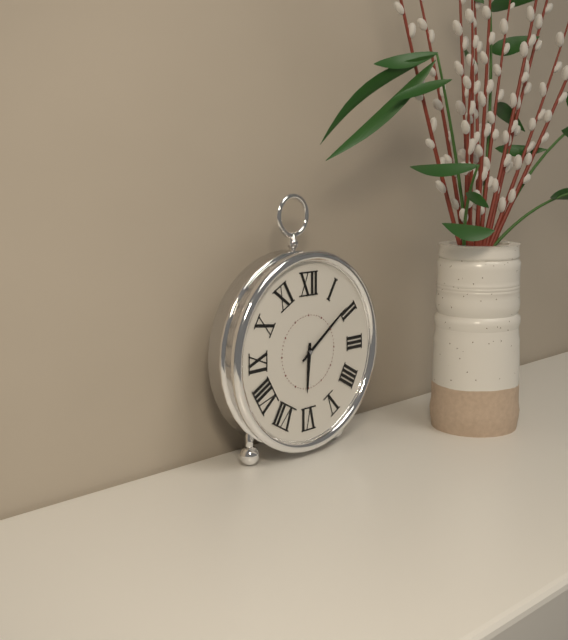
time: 6:09
